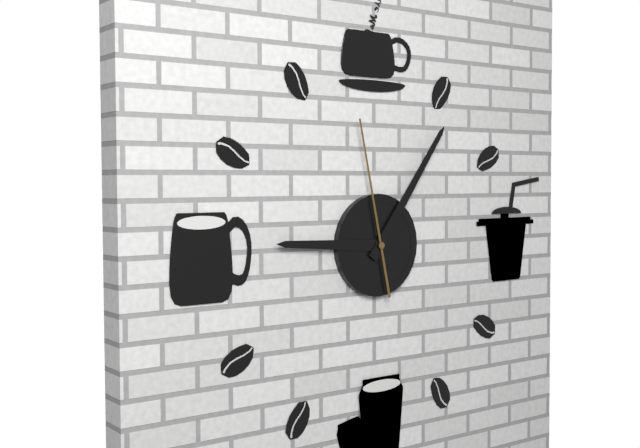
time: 9:06:58
